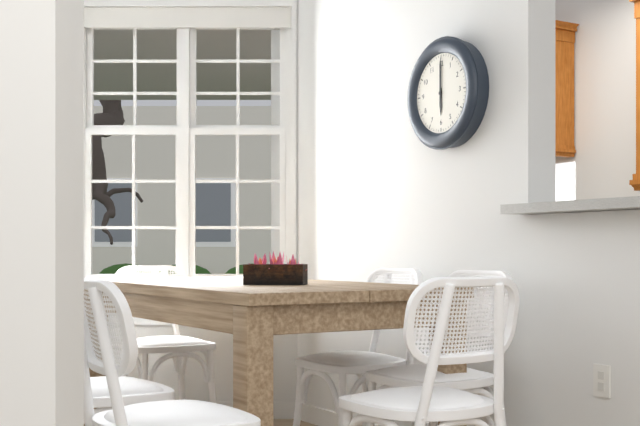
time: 6:00
